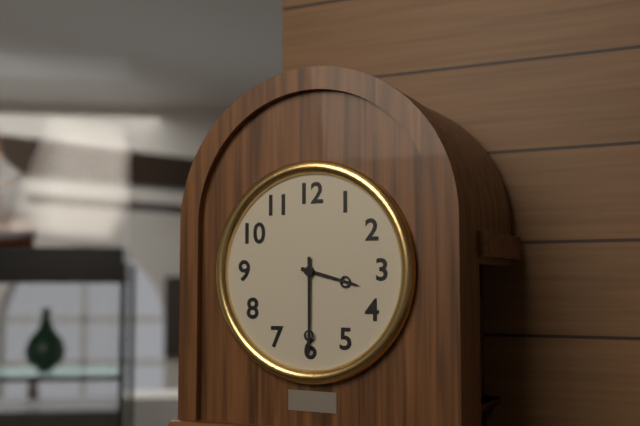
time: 3:30
